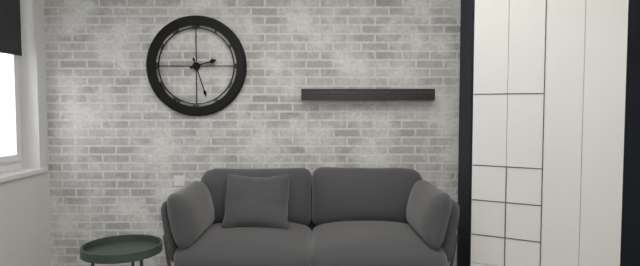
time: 2:27
